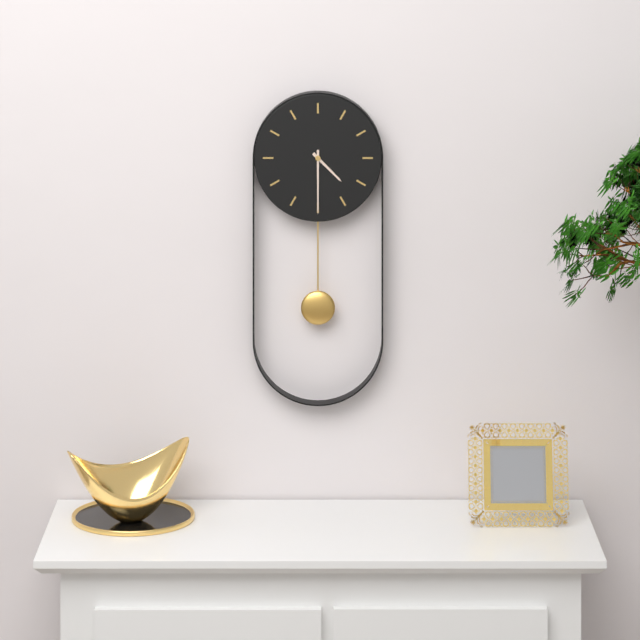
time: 4:30
